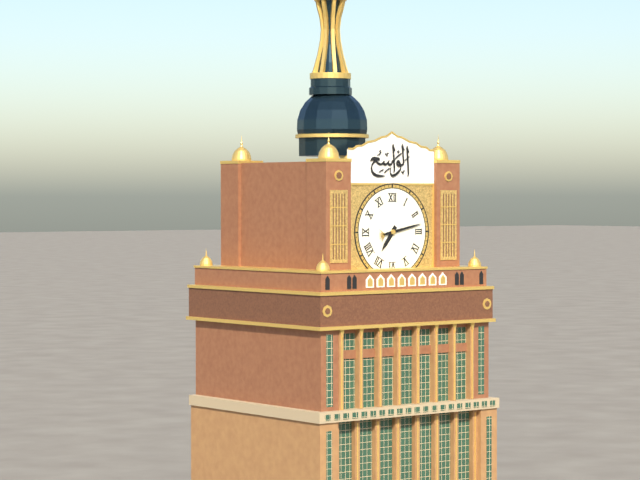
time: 7:13
